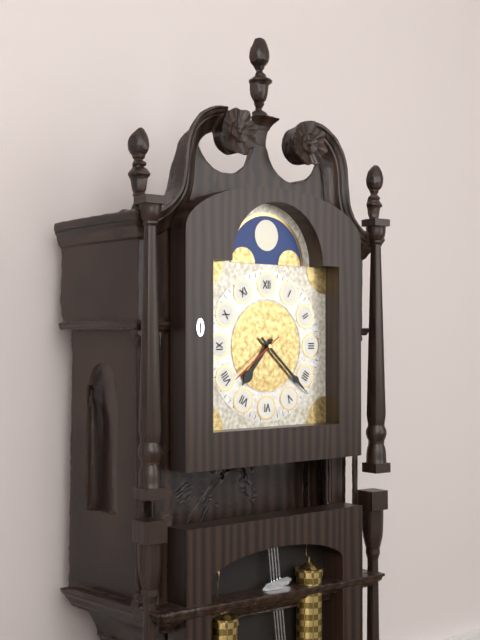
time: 7:22:39
